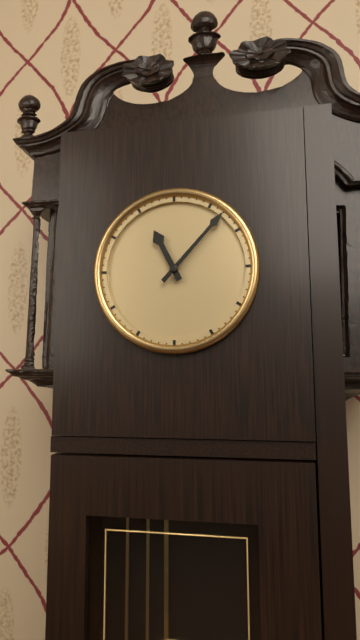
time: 11:07
